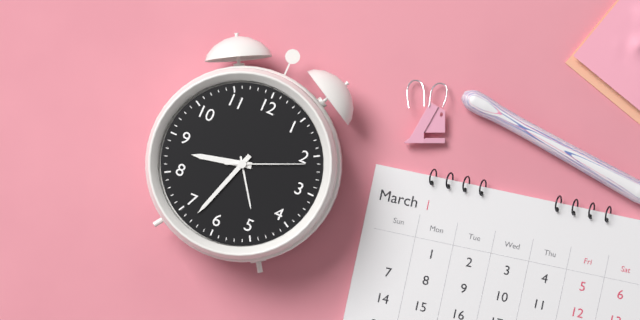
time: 8:33:11
